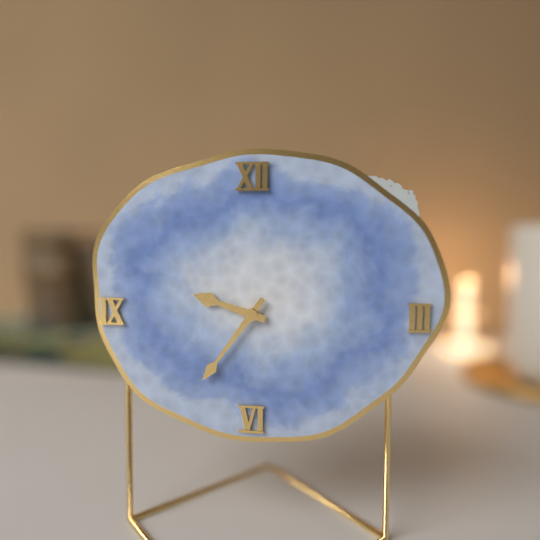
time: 9:36
